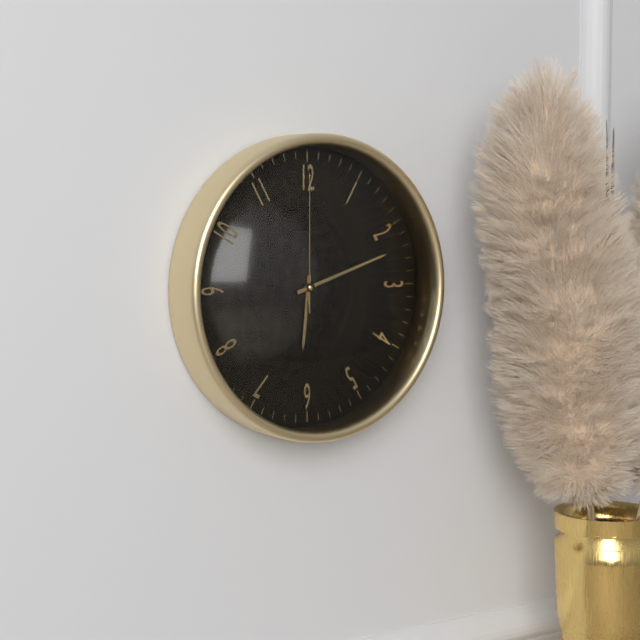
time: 6:12:00
